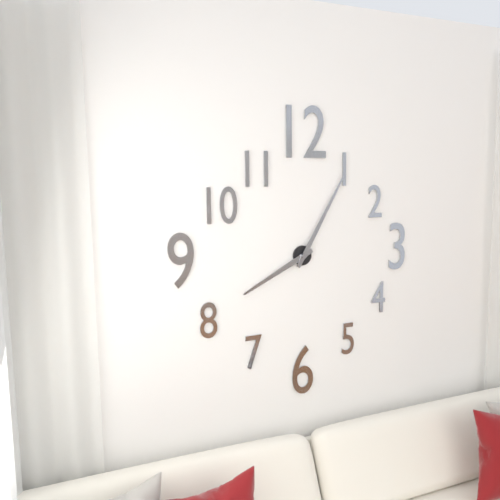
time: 8:05
